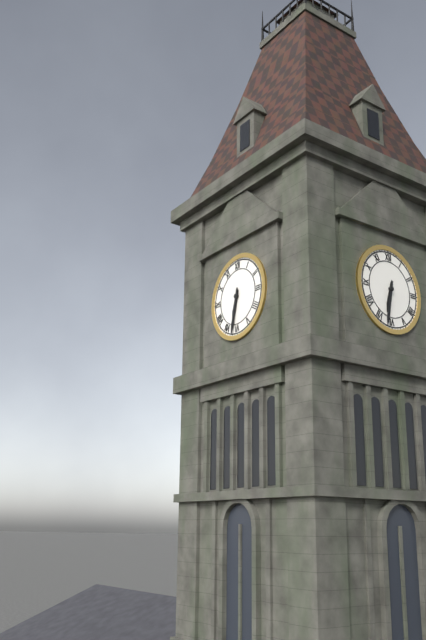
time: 6:32
